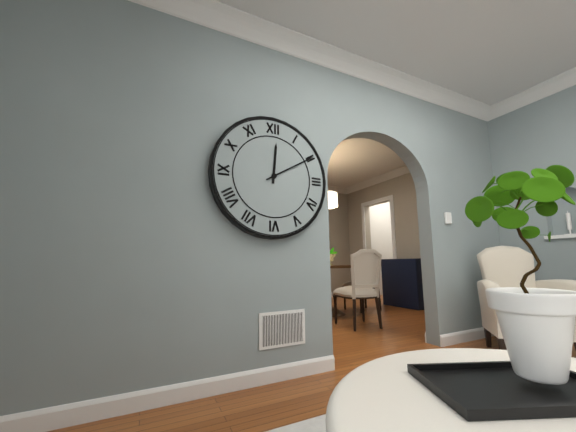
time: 12:10
